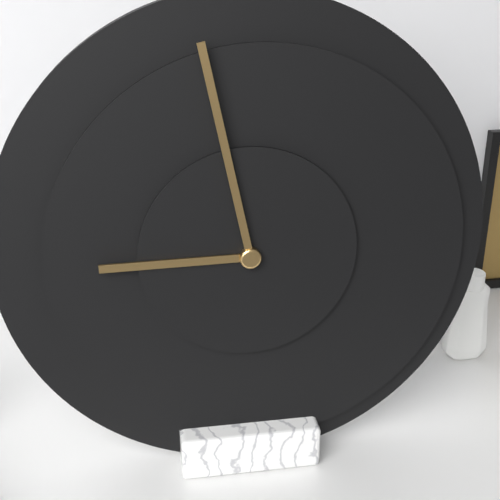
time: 8:58
